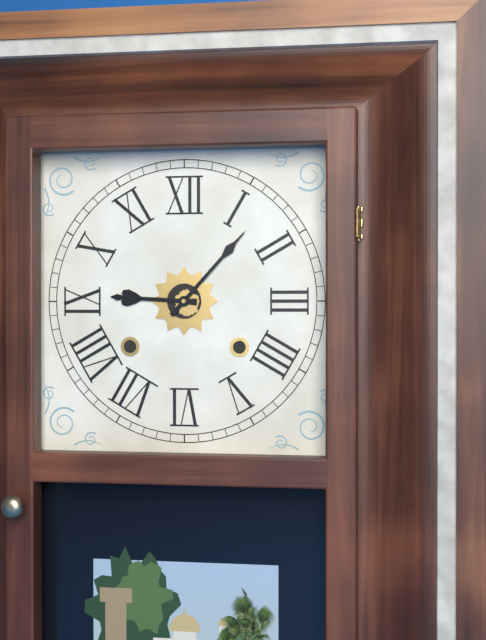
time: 9:07
